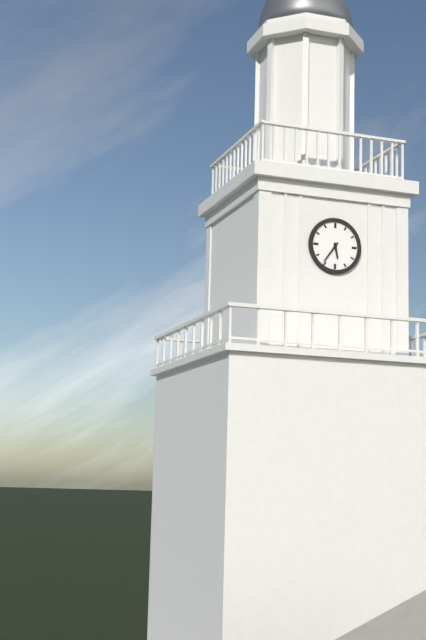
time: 5:36
